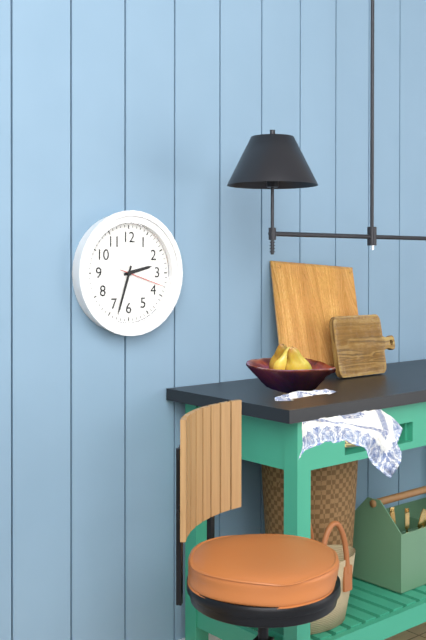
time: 2:33
